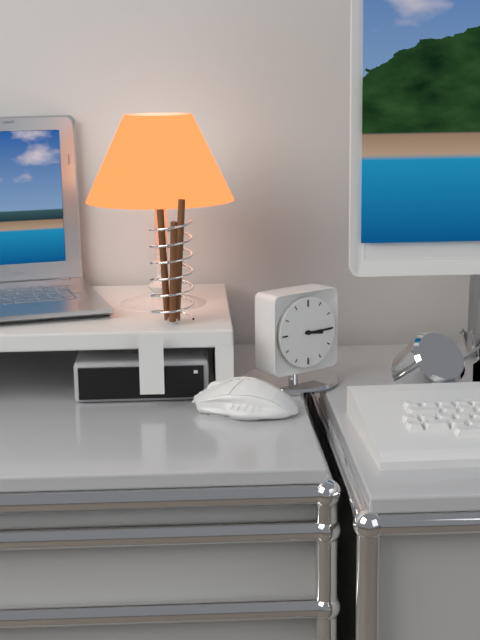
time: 3:15
